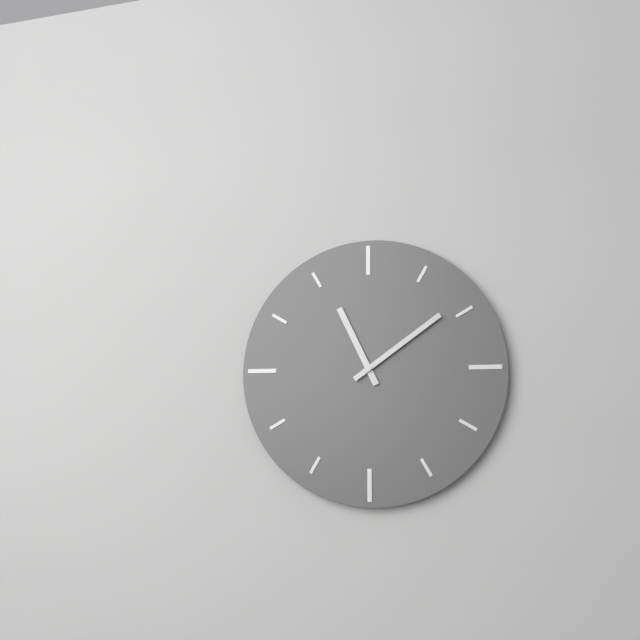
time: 11:09
